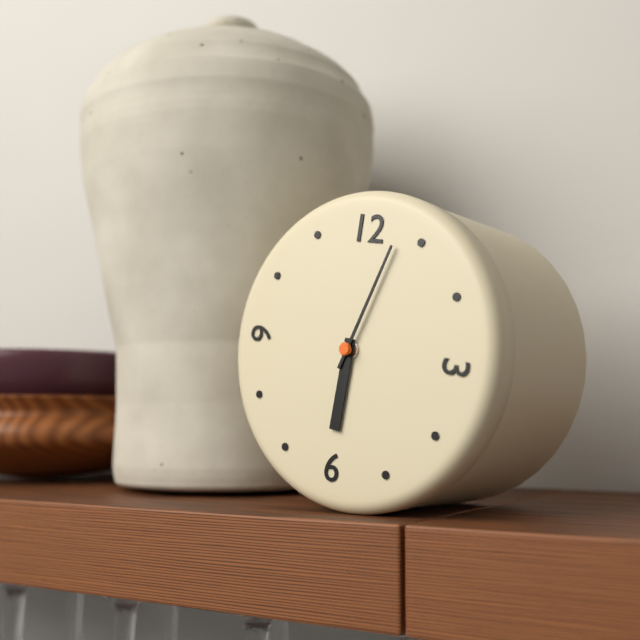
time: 6:03
